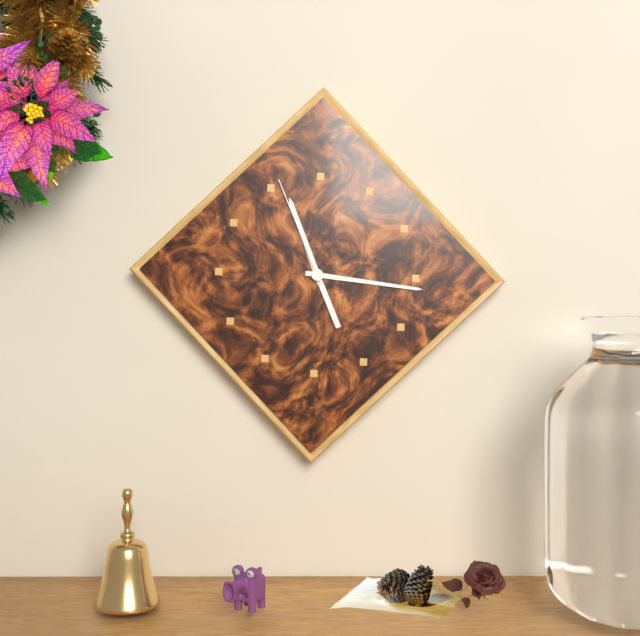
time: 11:16:56
